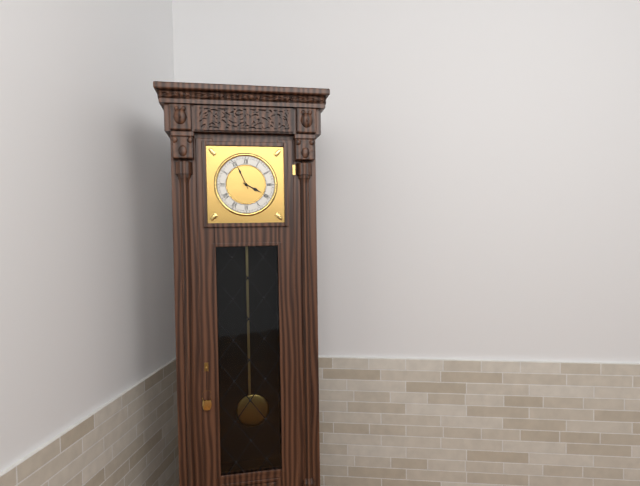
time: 3:56
